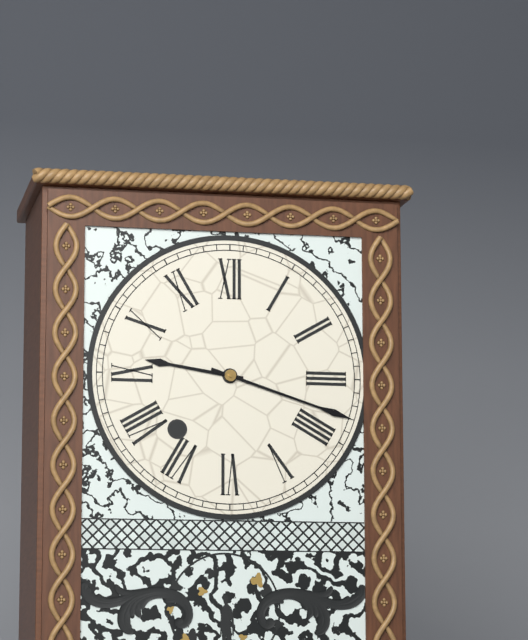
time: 9:18
